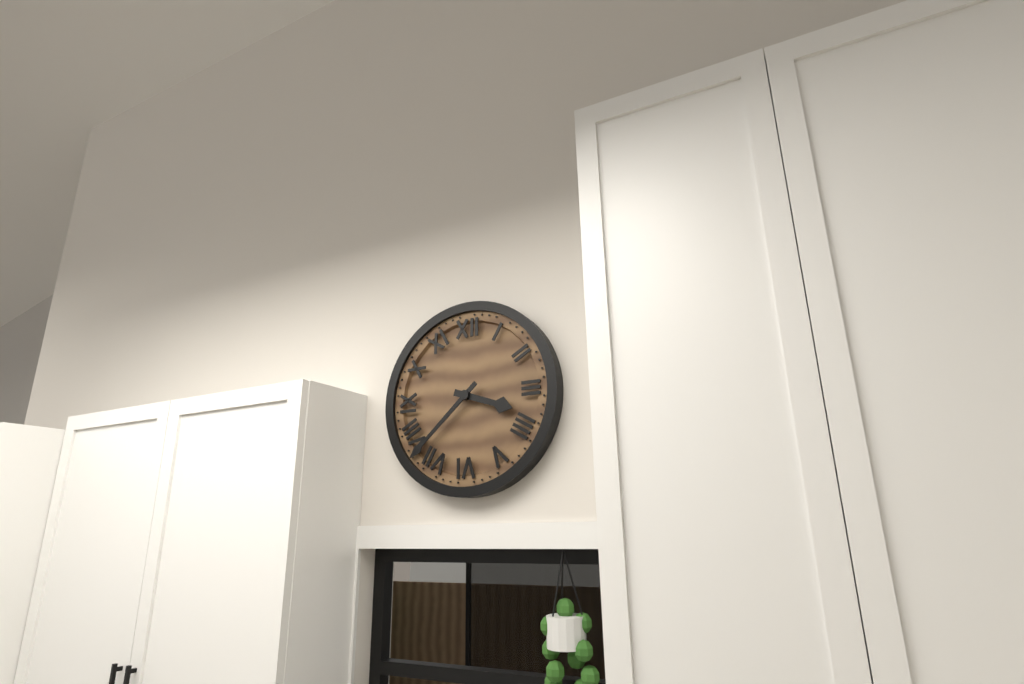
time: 3:38
